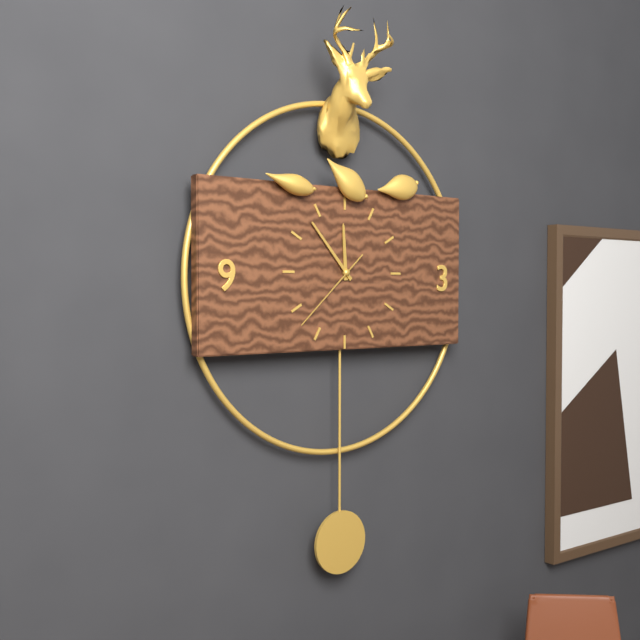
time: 11:53:38
